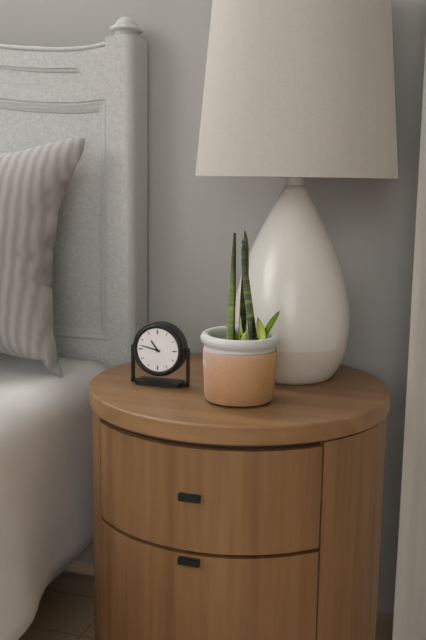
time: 10:47
